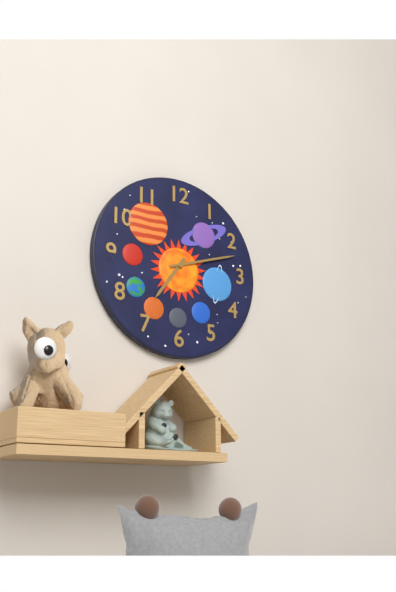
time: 7:12
